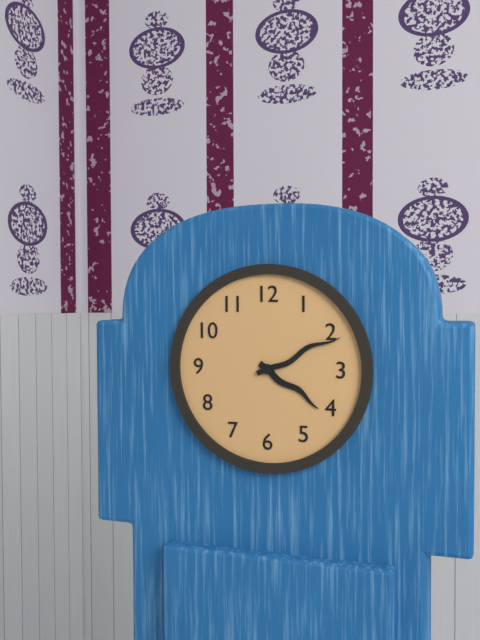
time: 4:11
